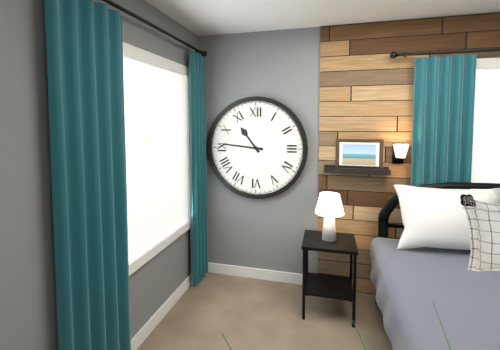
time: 10:46
